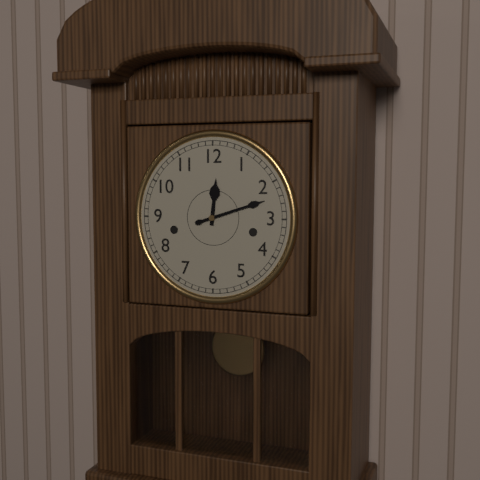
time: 12:12
